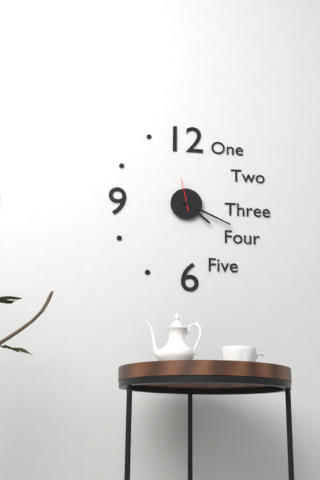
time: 4:19
